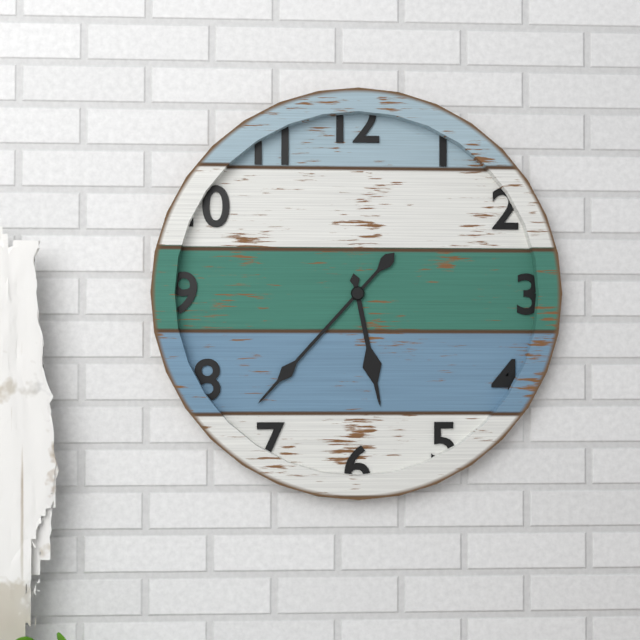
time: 5:37
